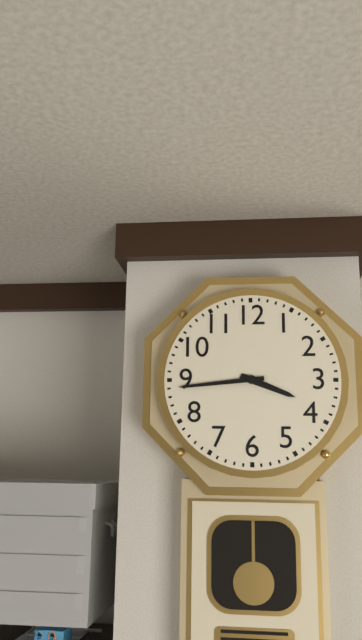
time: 3:44
